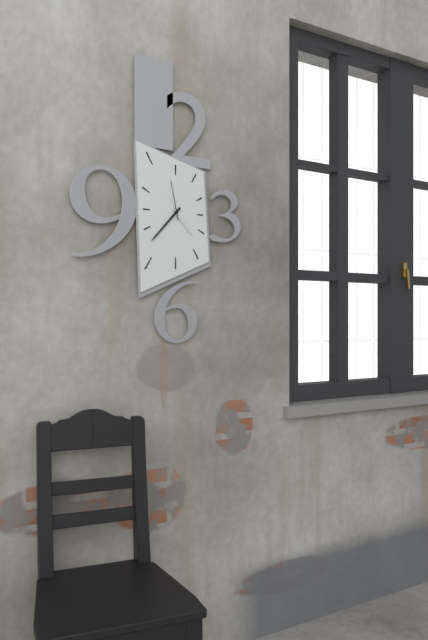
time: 4:37
